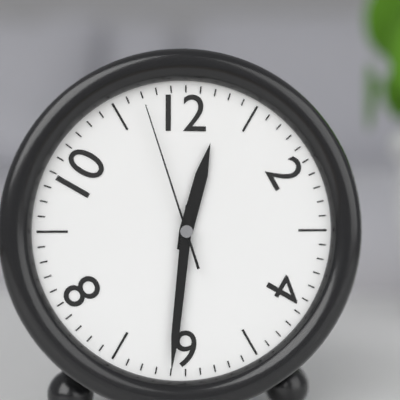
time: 12:31:57
